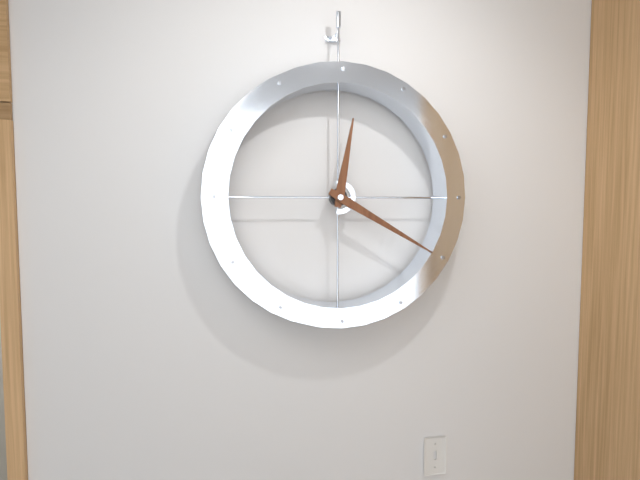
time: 12:20
